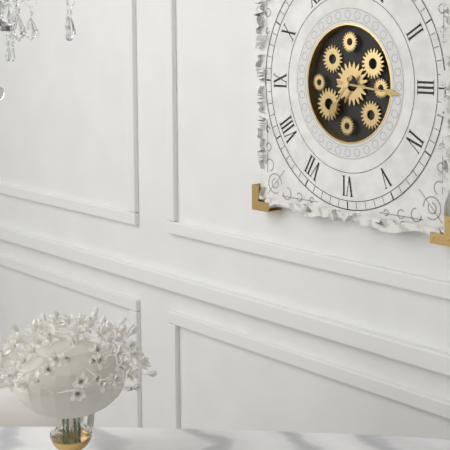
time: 7:16
